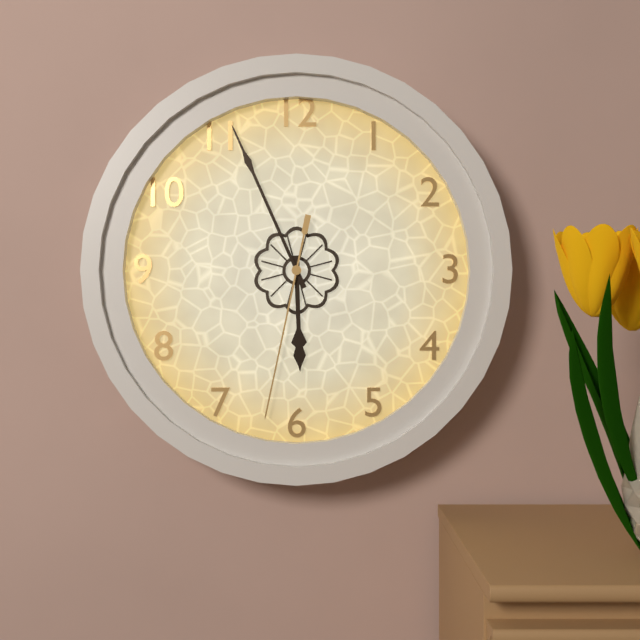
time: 5:56:32
